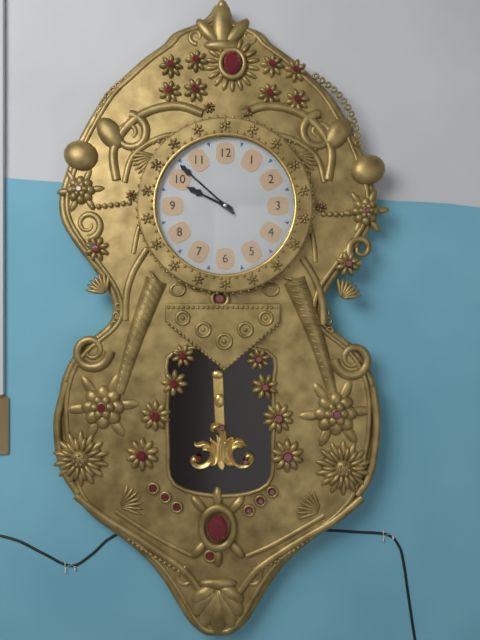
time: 9:52
